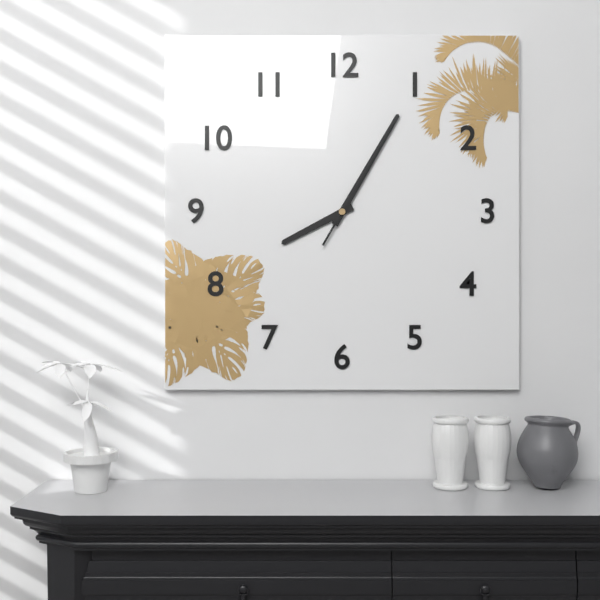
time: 8:05:05
